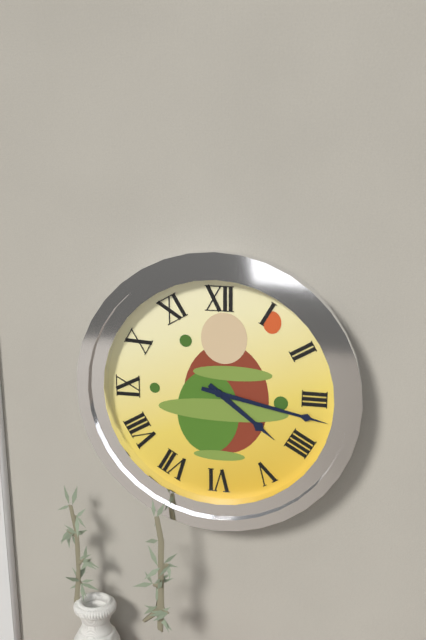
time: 4:17
